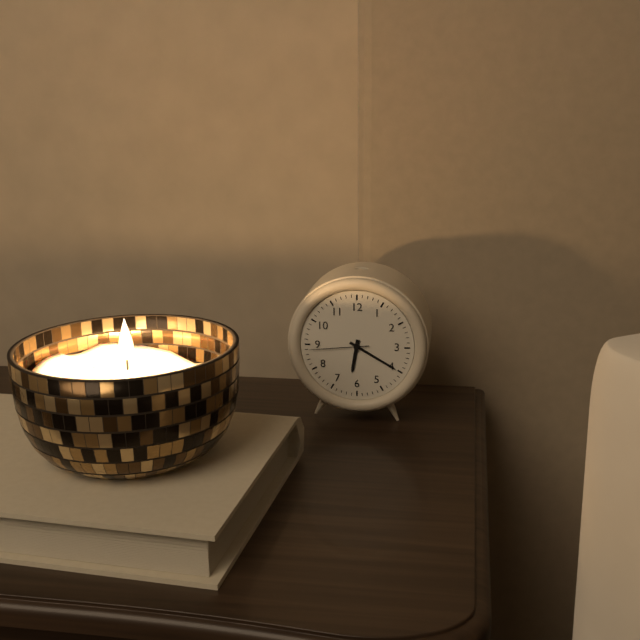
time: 6:20:44
